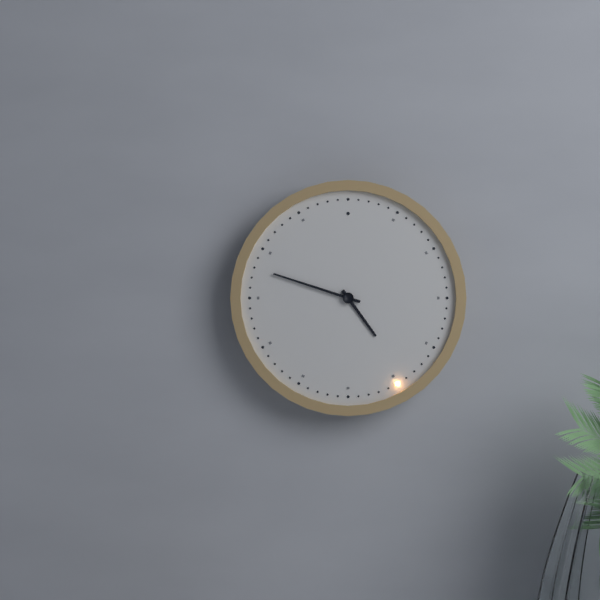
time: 4:48
